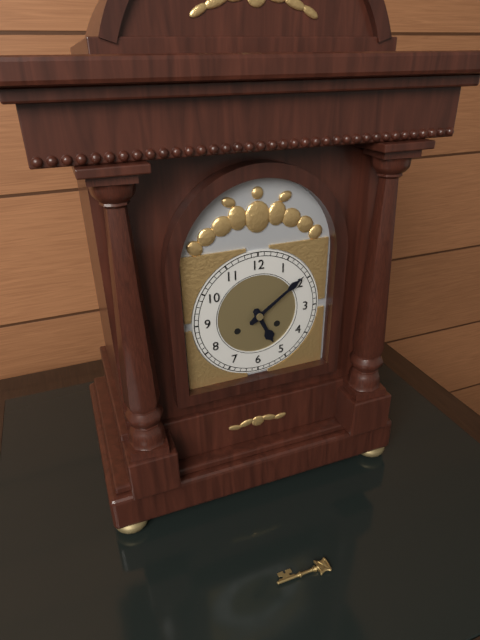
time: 5:09
